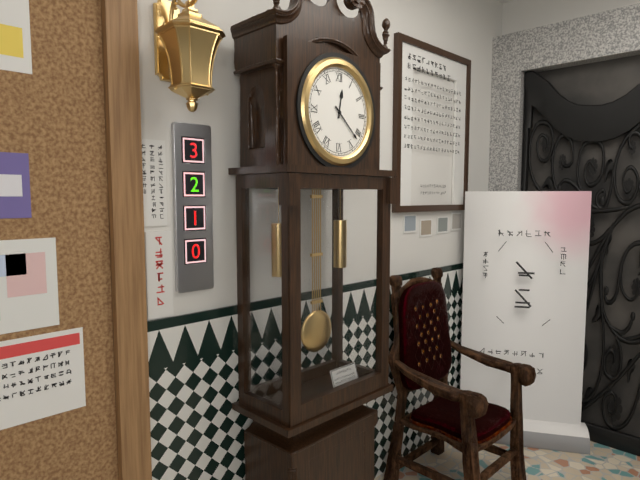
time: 12:22
